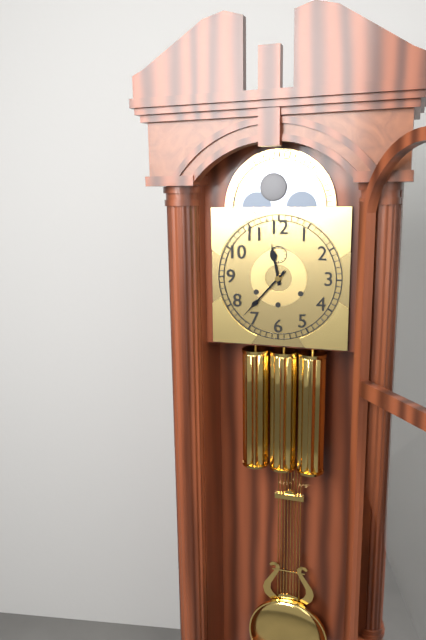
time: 11:37
